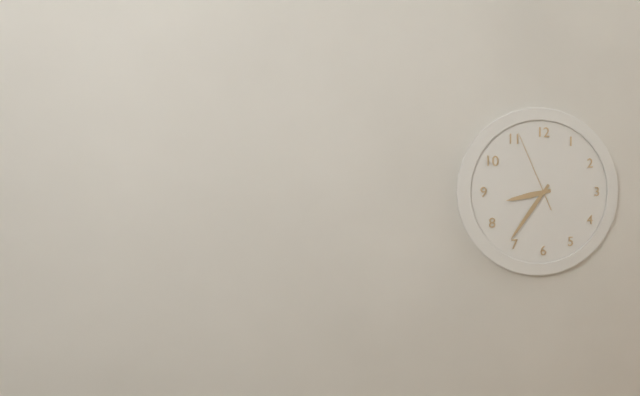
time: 8:36:56
